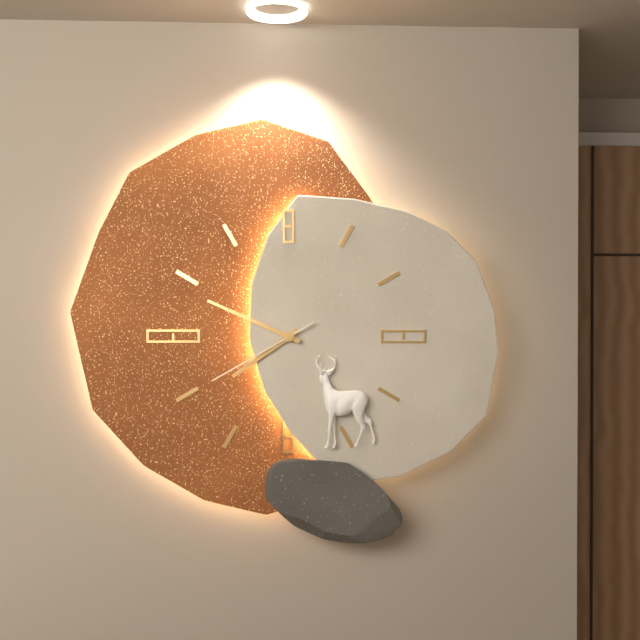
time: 7:49:40
